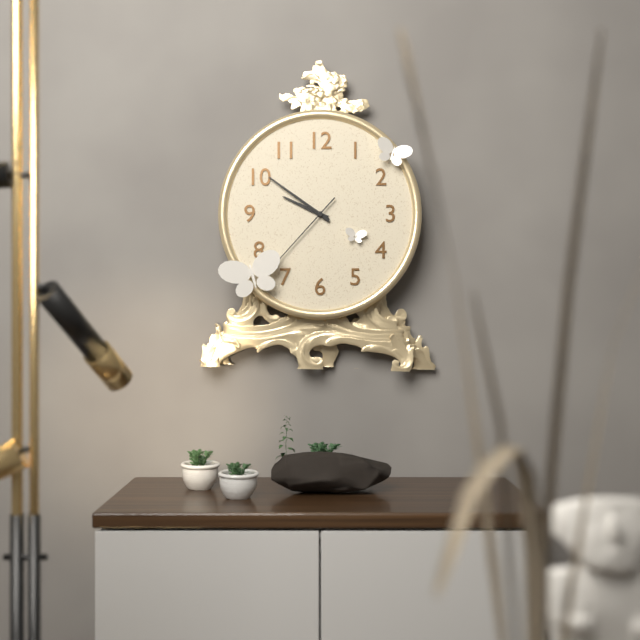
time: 9:51:37
